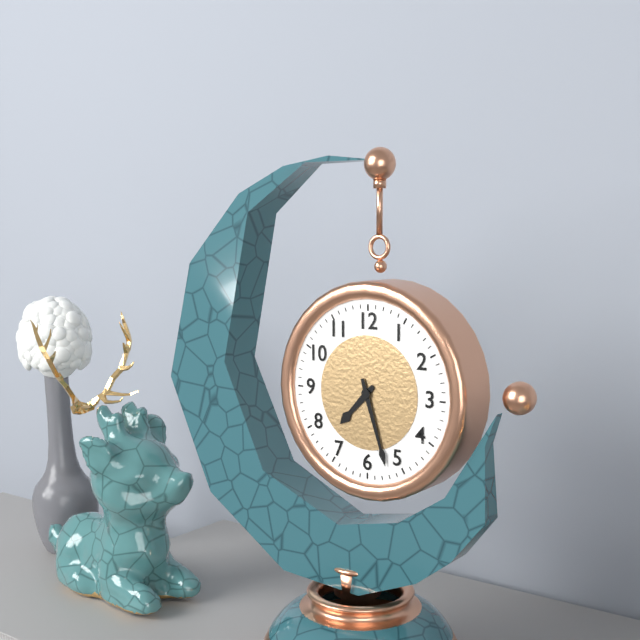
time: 7:27
